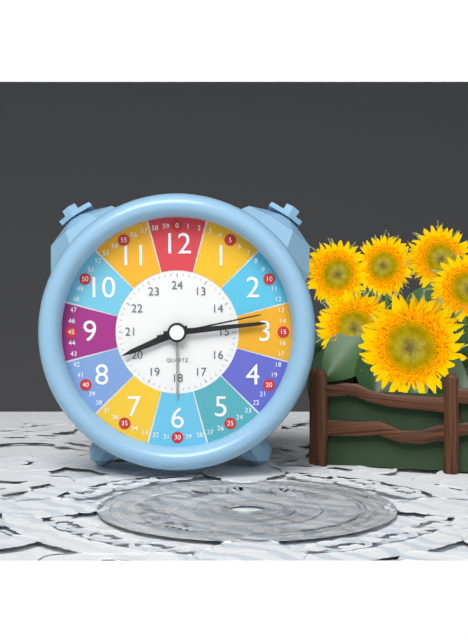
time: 8:14:13
